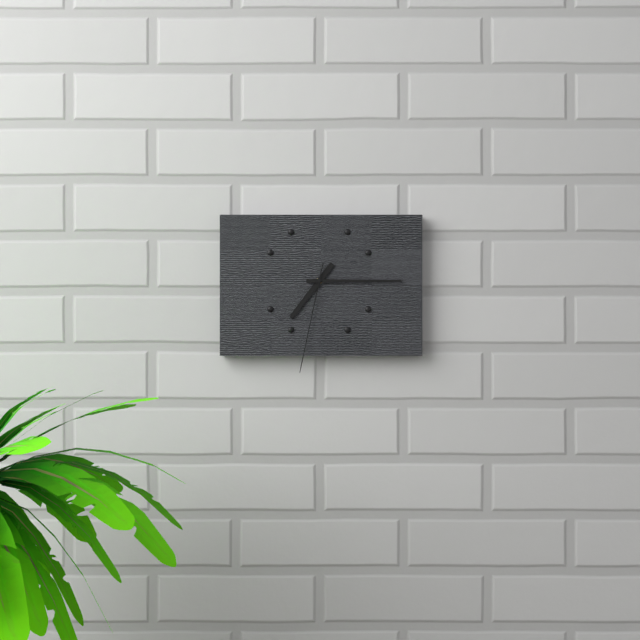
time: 7:15:32
